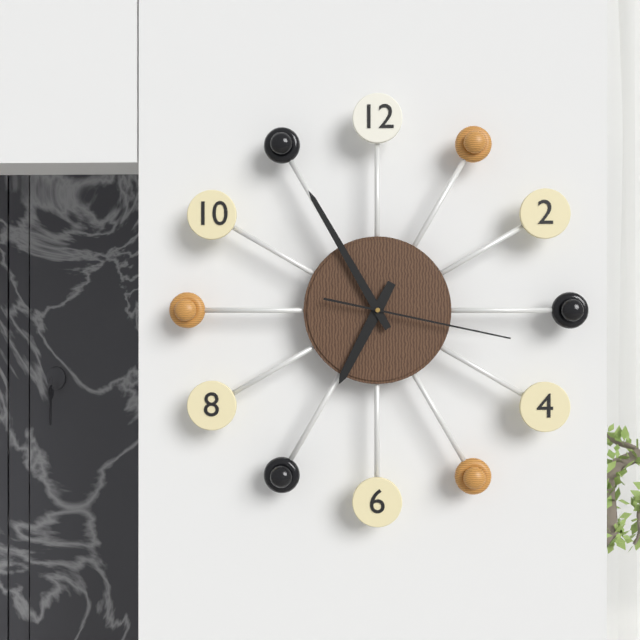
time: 6:55:17
